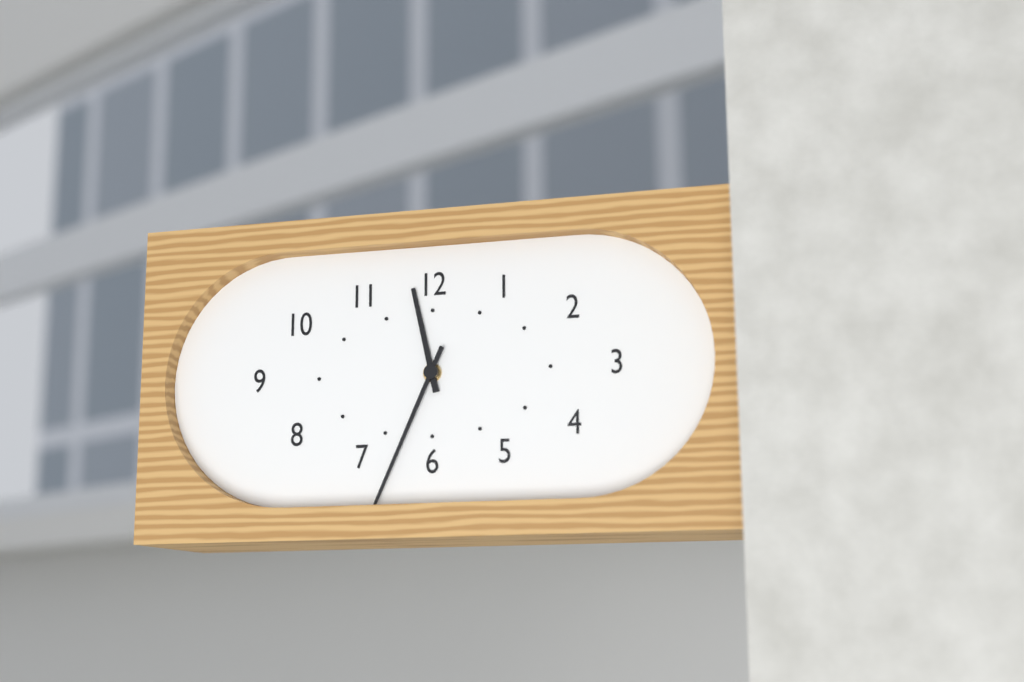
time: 11:34
